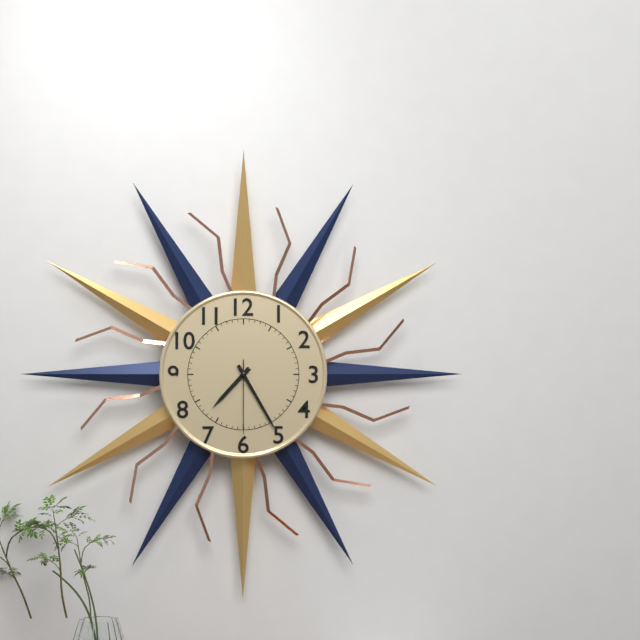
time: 7:25:30
